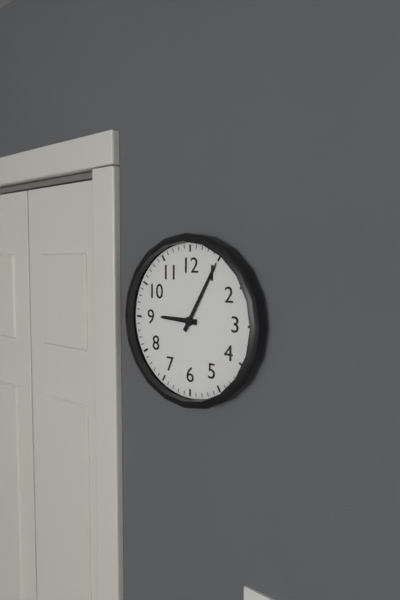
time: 9:05
